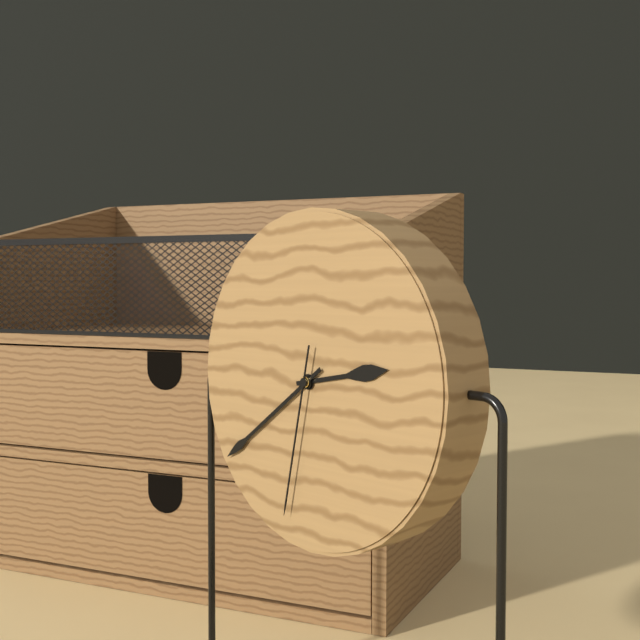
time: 2:39:32
